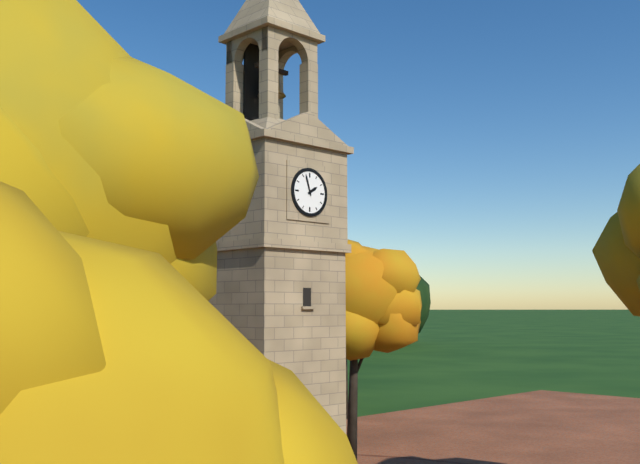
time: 1:57
